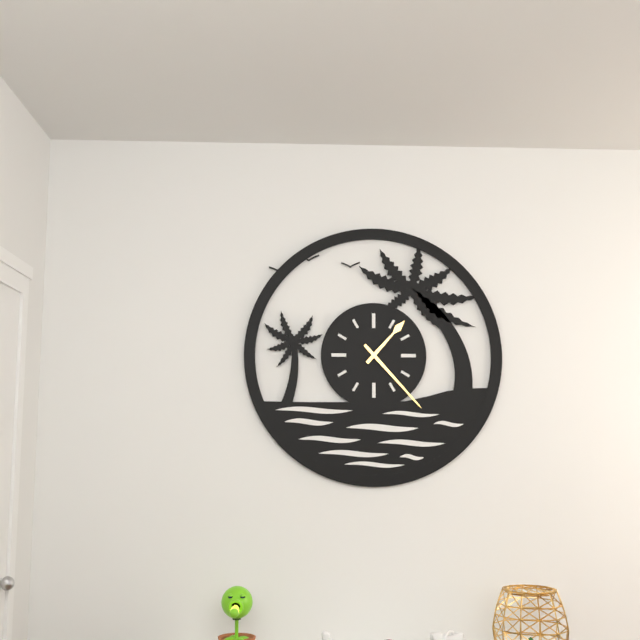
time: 1:23
